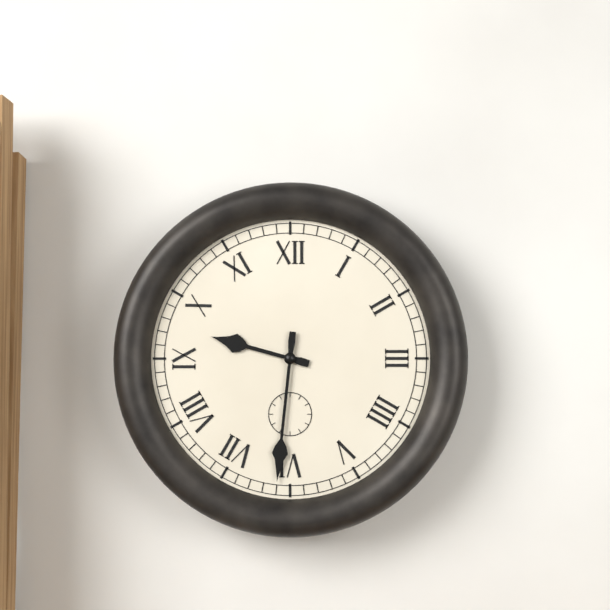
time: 9:31
